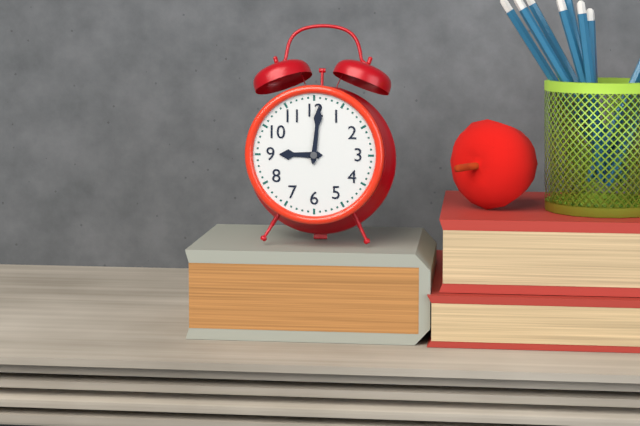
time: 9:01
